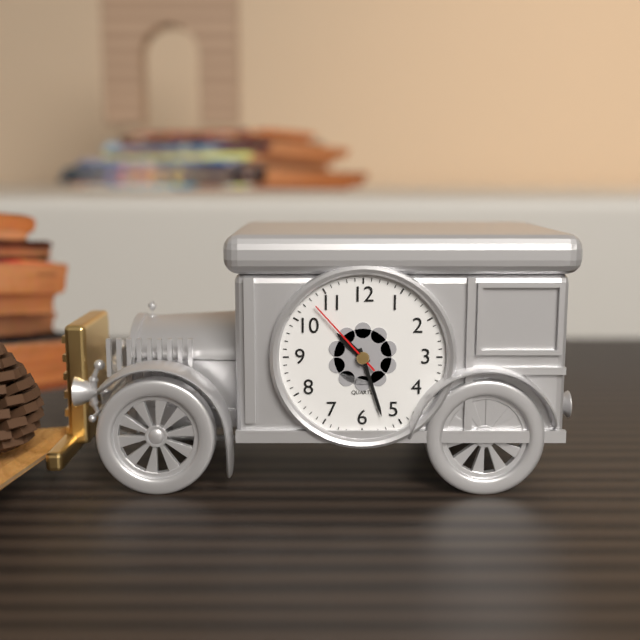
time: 10:27:53
